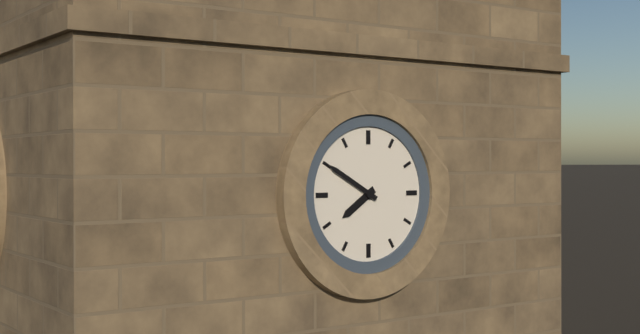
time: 7:50
